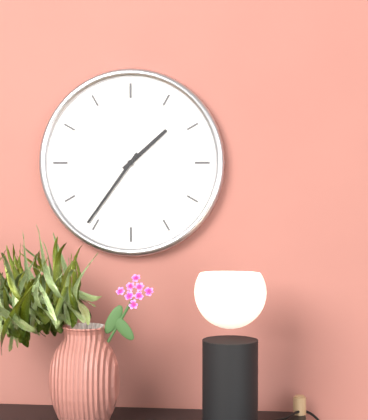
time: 1:36
